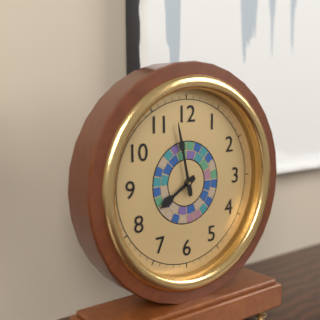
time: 7:58
